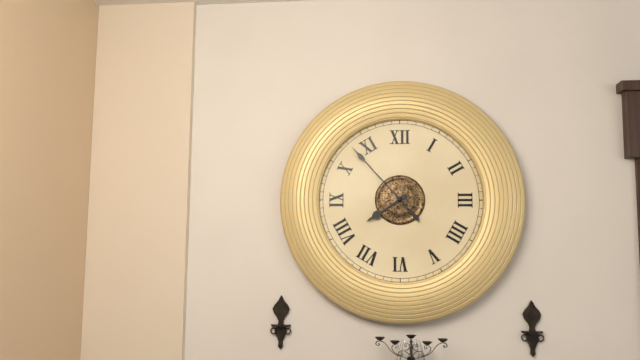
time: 7:53
